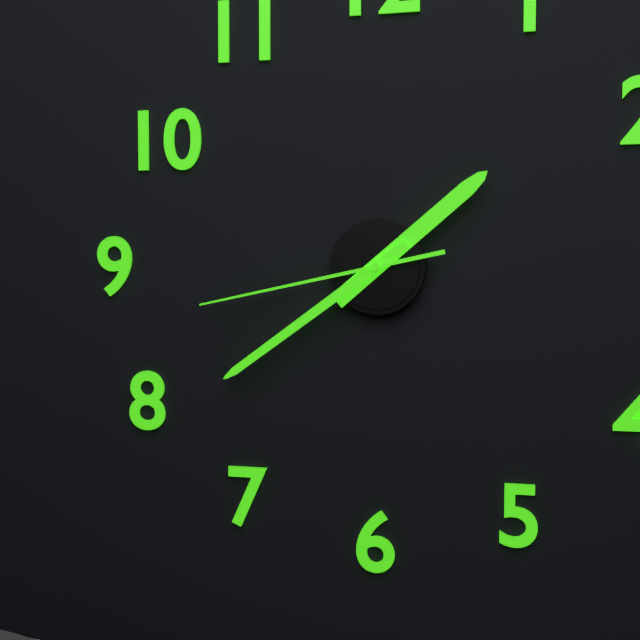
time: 1:39:43
